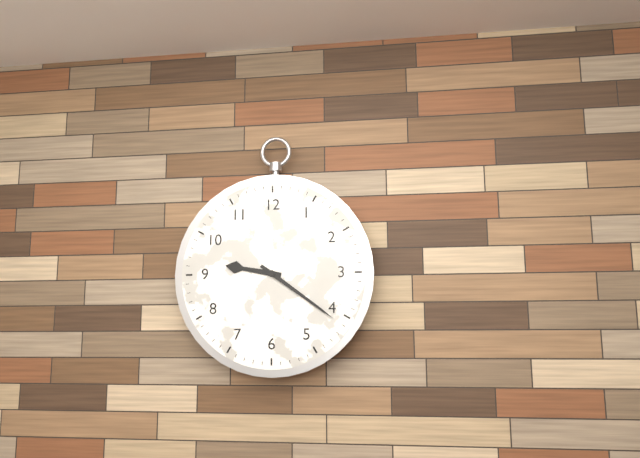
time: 9:21
